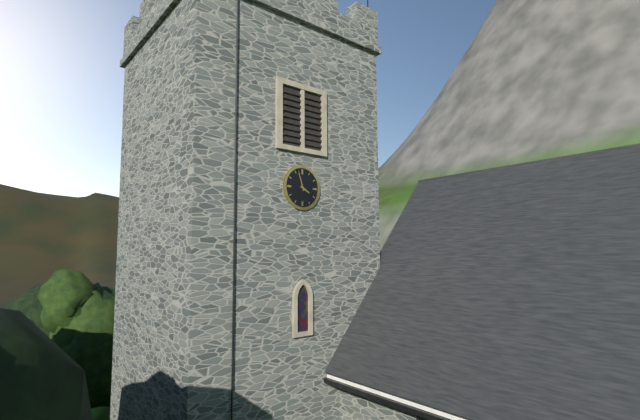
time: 3:57
